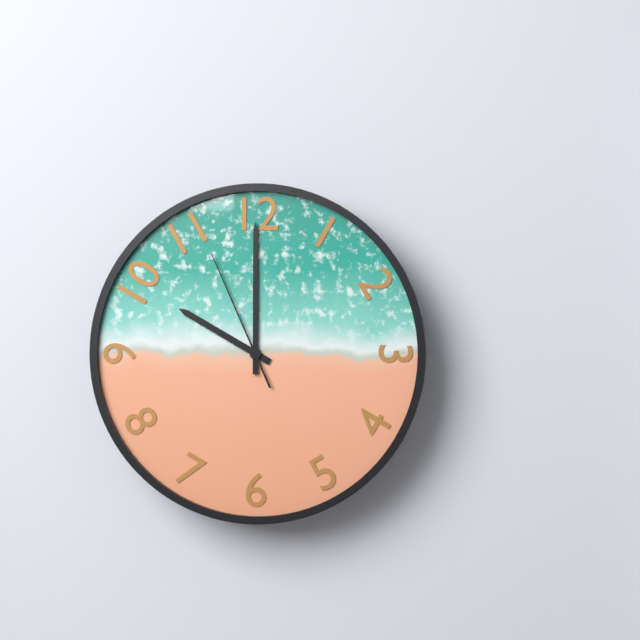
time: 10:00:56
